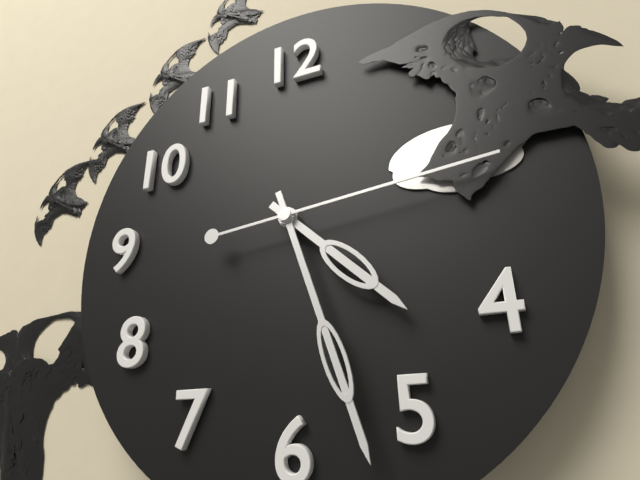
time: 4:27:14
